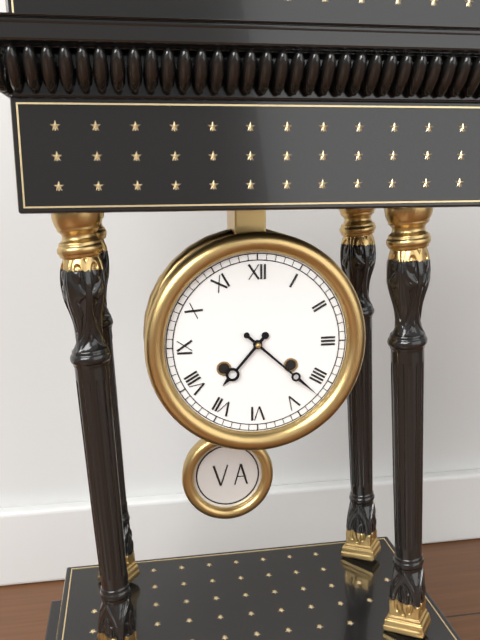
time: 7:22
